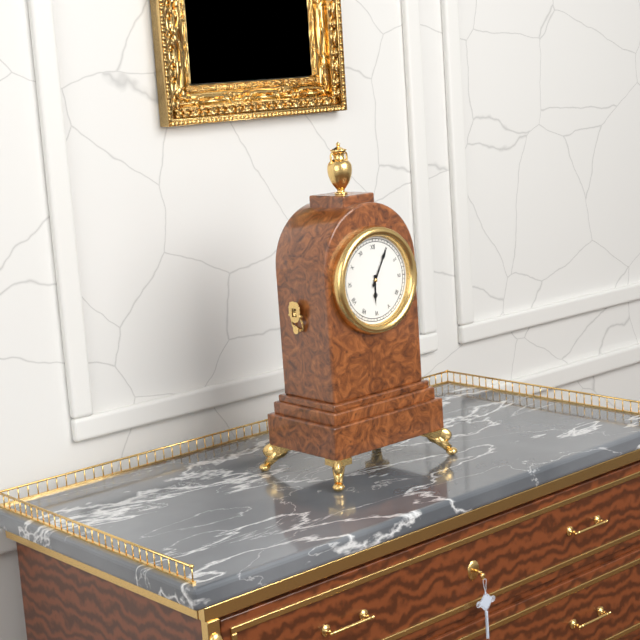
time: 6:05
